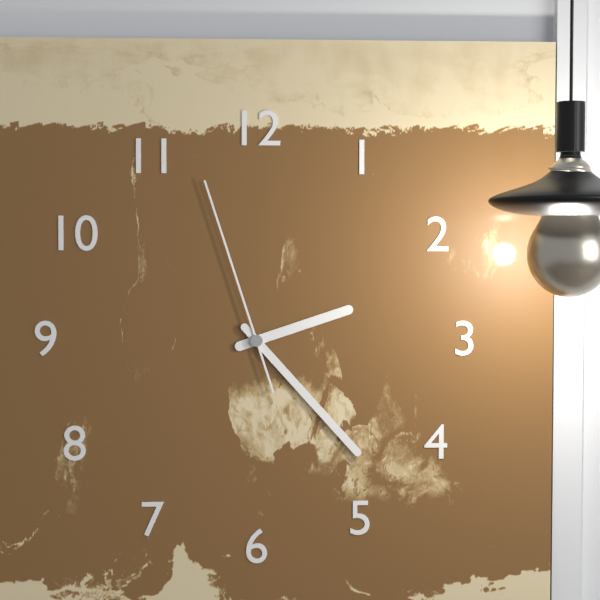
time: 2:23:57
